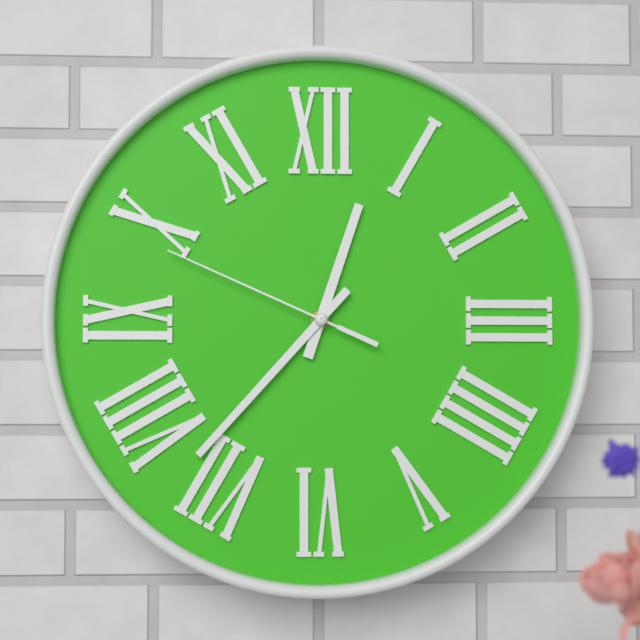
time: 12:37:49
